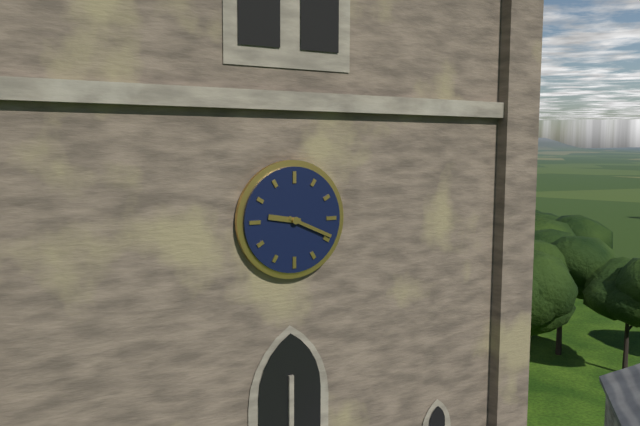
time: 9:19
